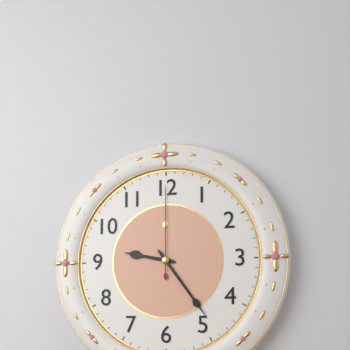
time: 9:24:00
